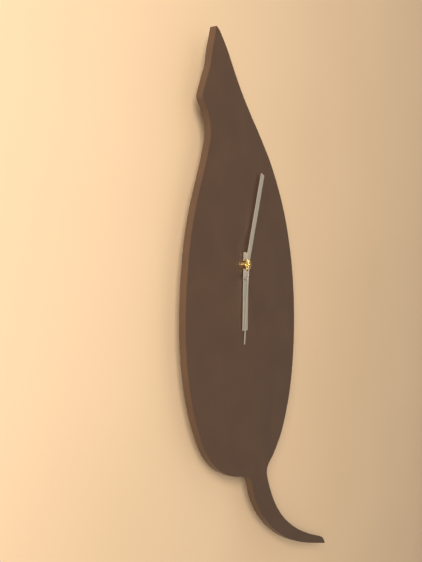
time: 6:03:31
